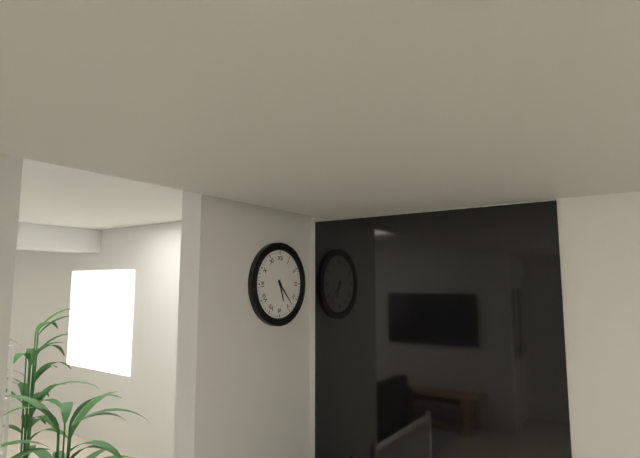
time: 5:23
